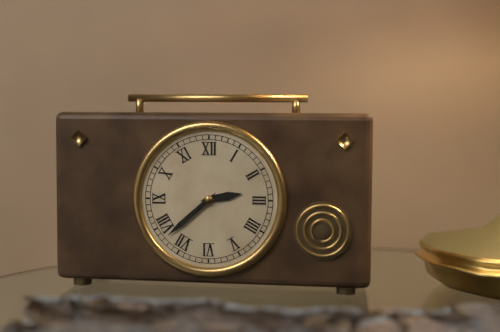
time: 2:38
